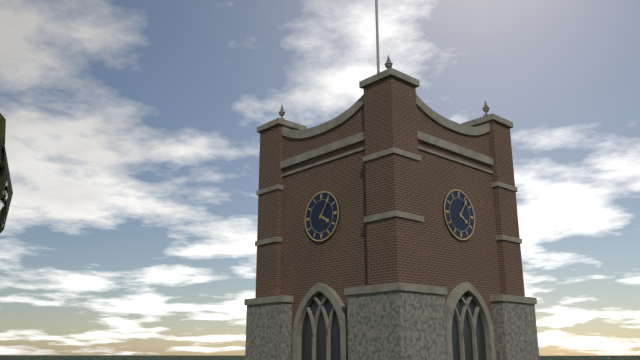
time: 4:06
